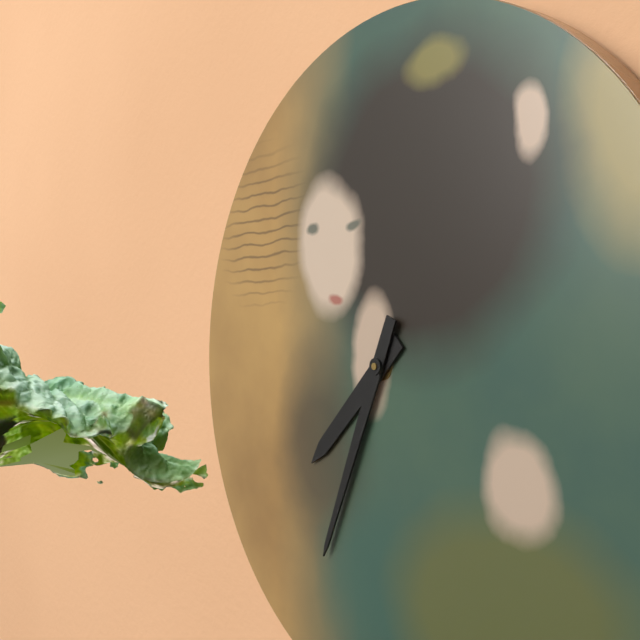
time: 7:34
